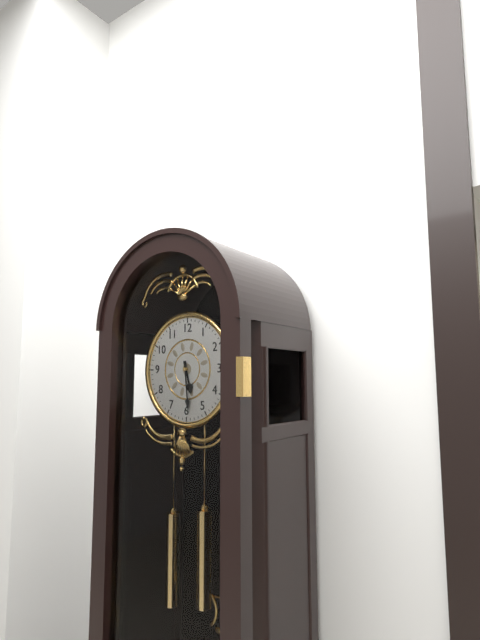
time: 5:29
